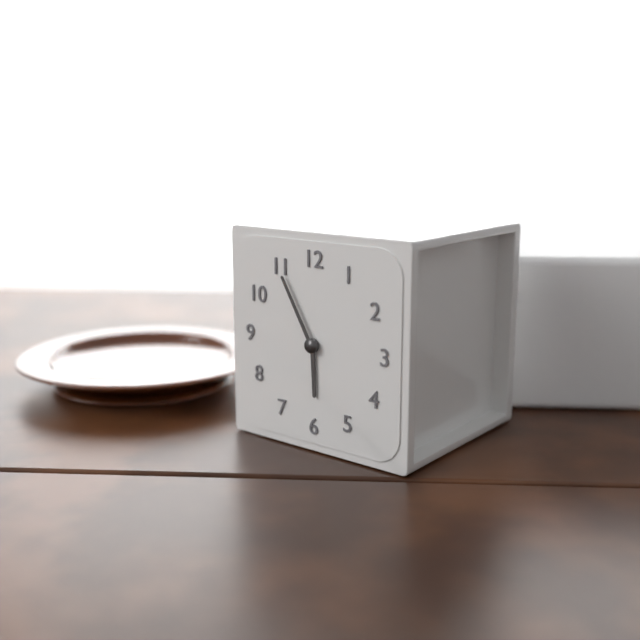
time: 5:55
